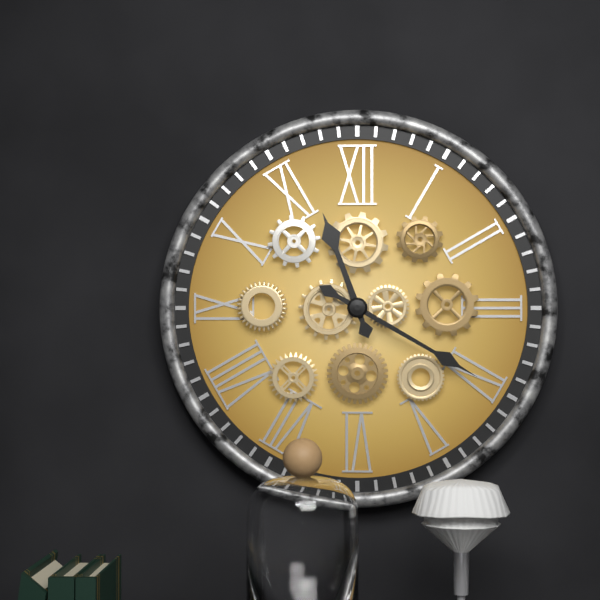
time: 11:20
